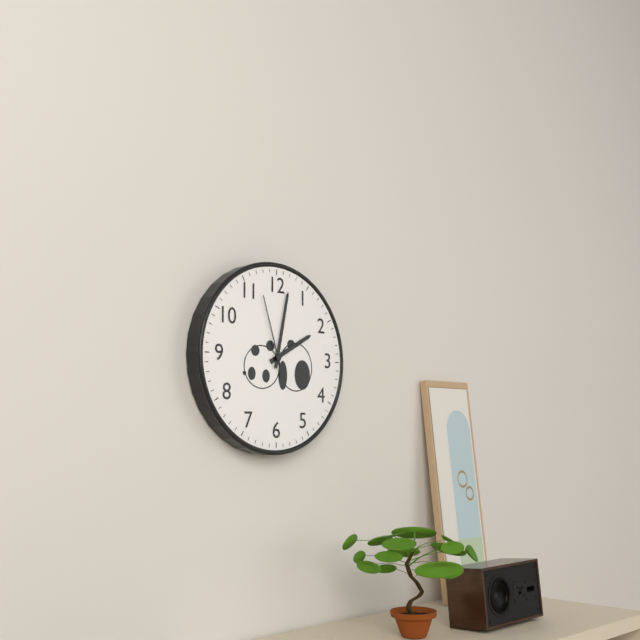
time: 2:02:57
